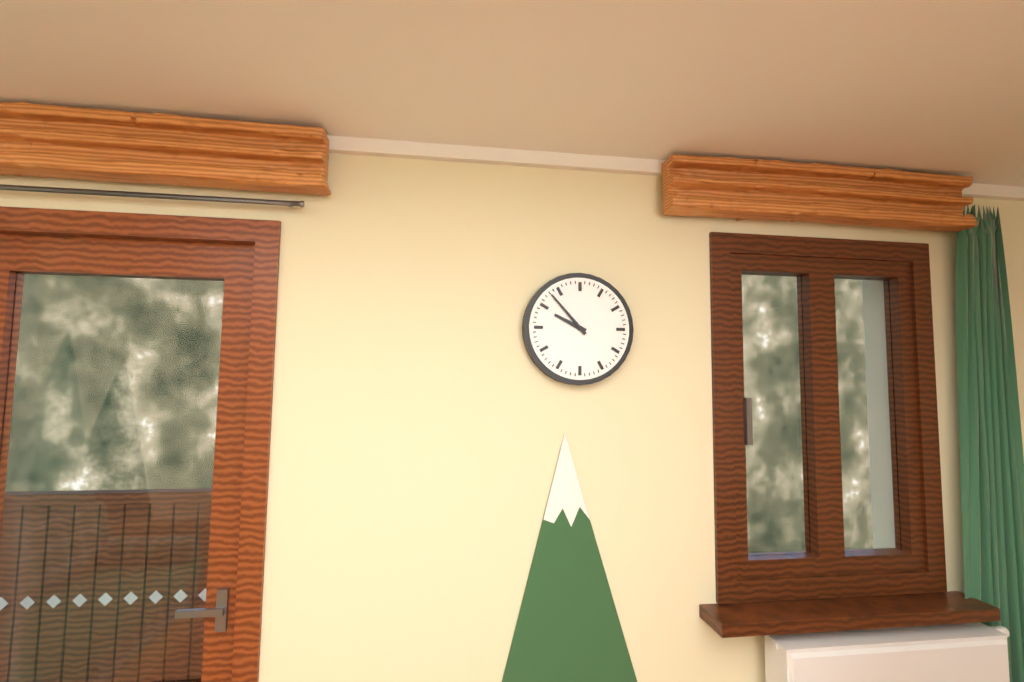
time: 9:53
